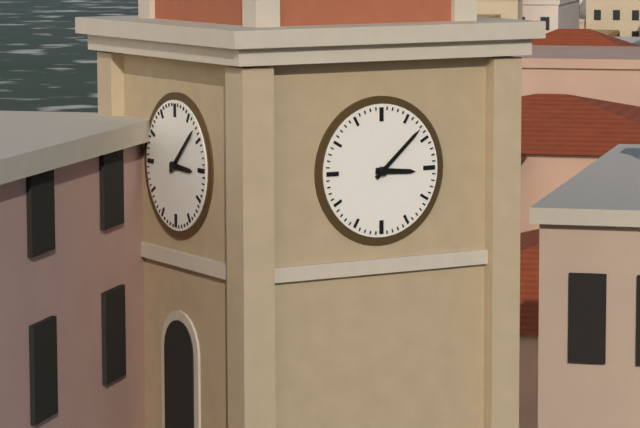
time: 3:08
